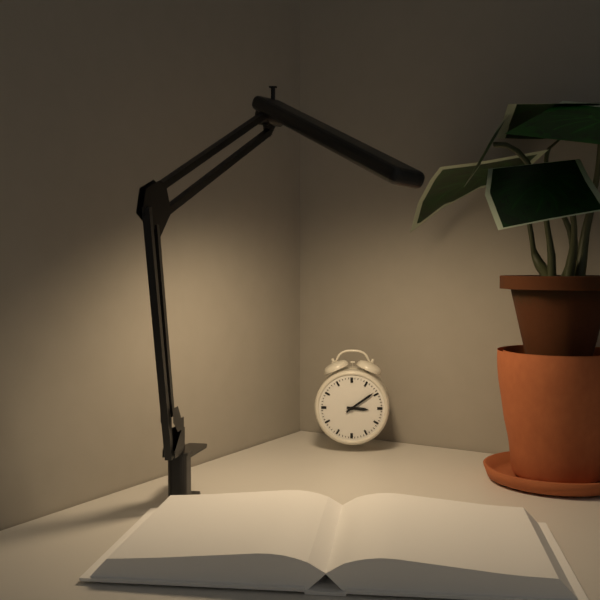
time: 3:09
